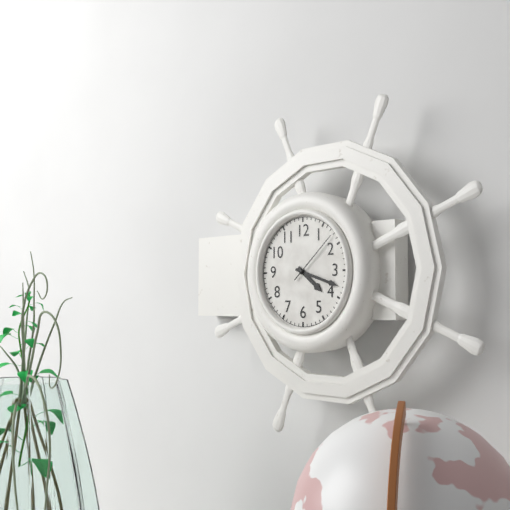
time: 4:18:08
